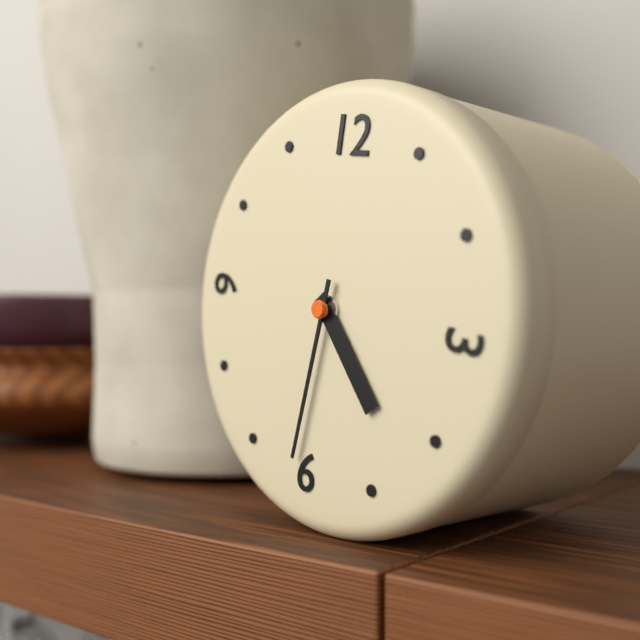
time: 4:31
